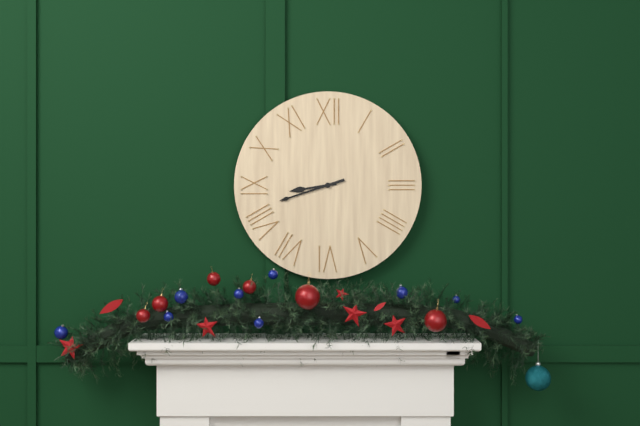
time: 8:42
